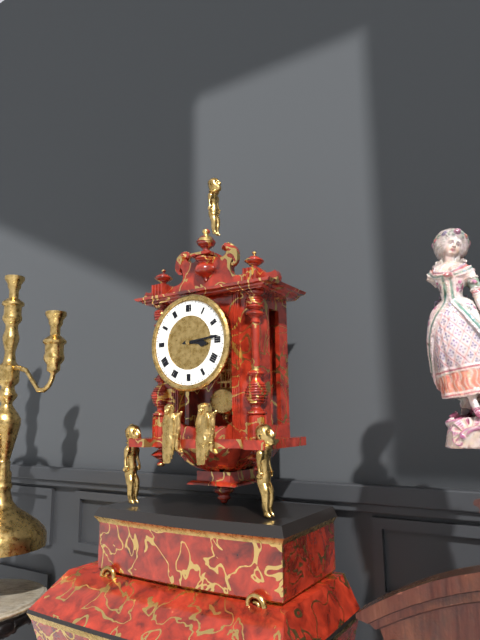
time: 3:14
